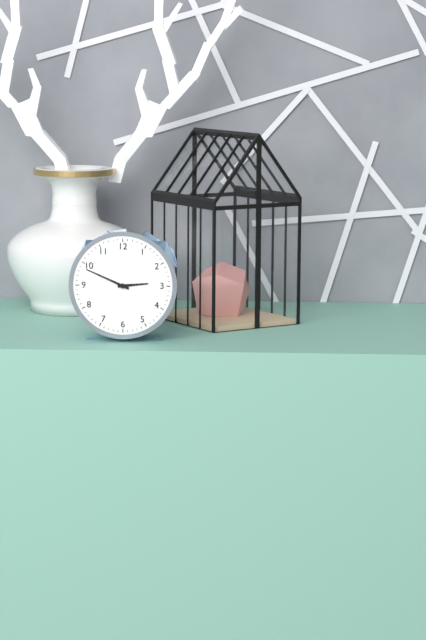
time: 2:49
